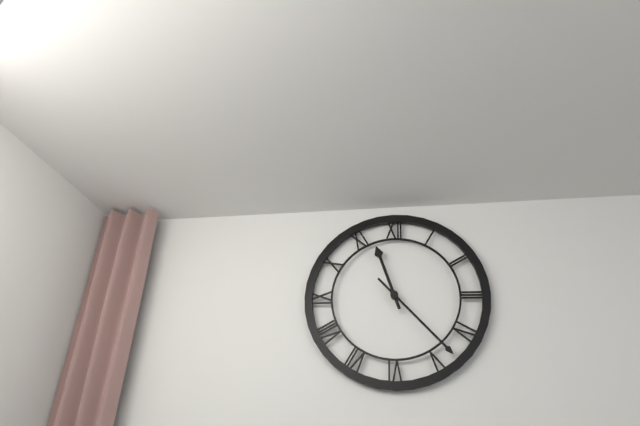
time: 11:23
